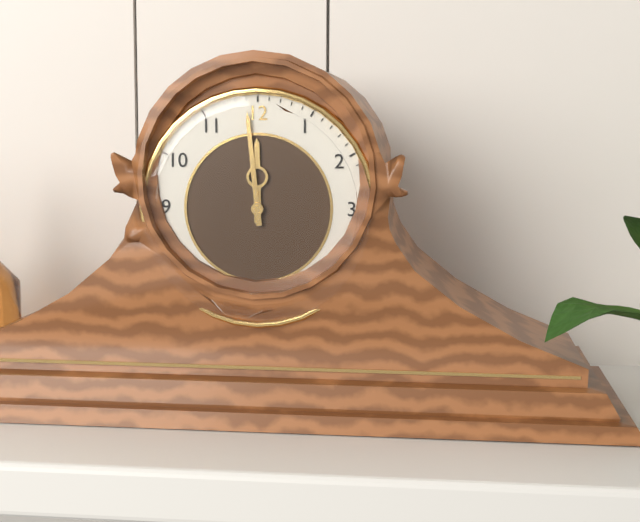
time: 11:59
